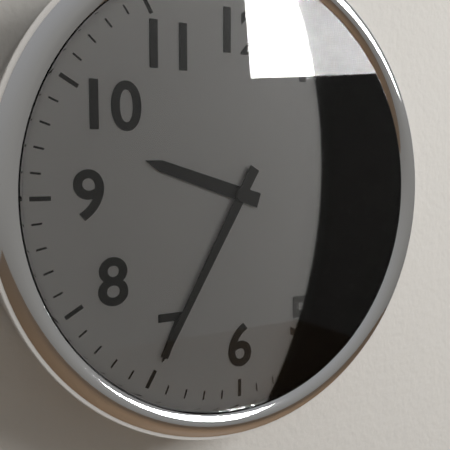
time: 9:35
